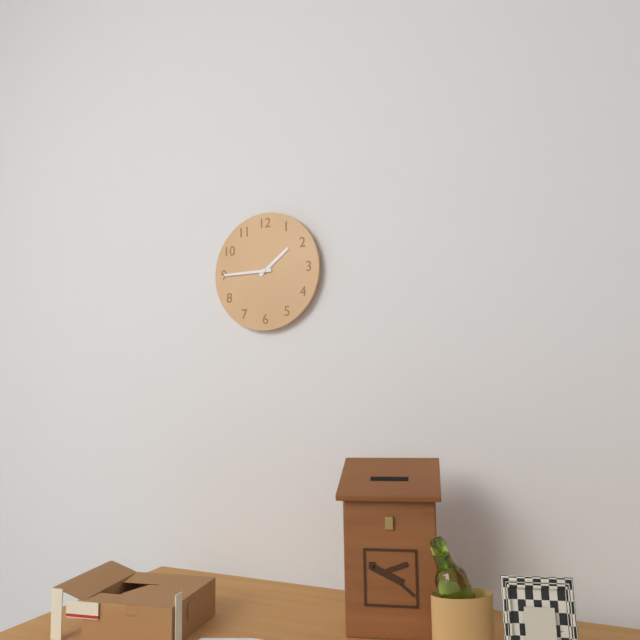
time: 1:45
